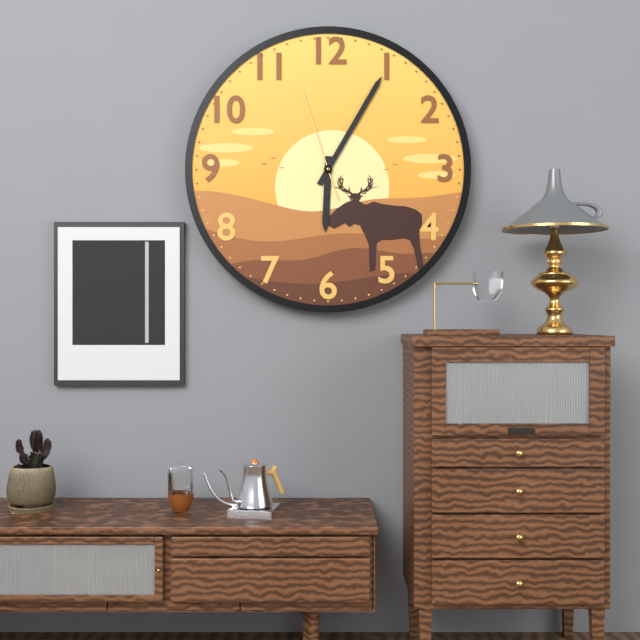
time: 6:05:57
